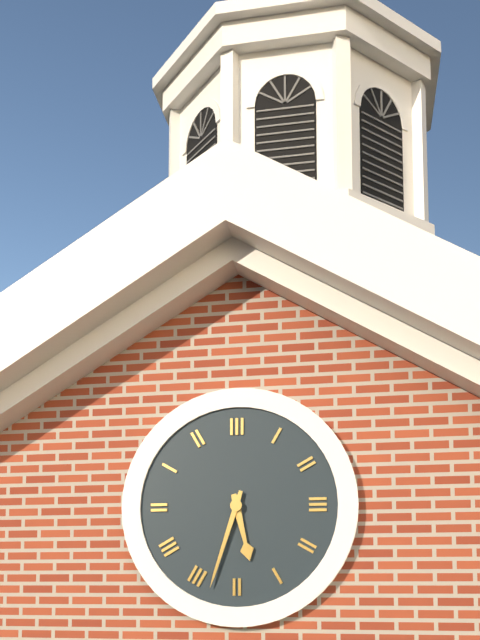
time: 5:33
